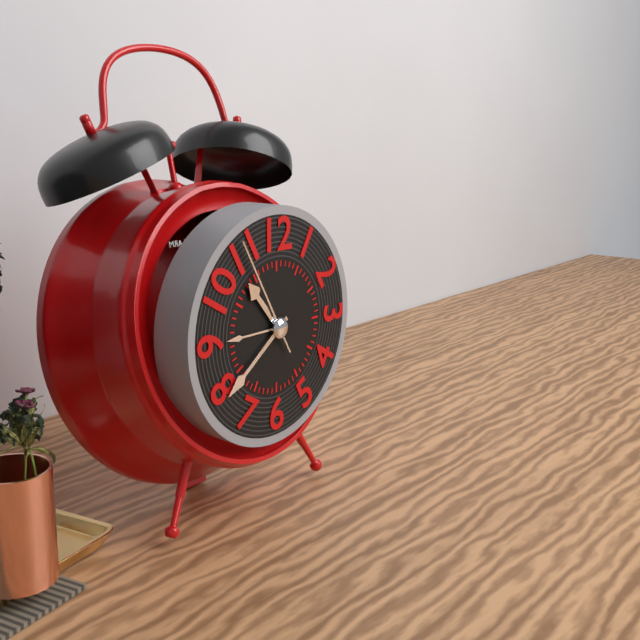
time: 10:39:55
